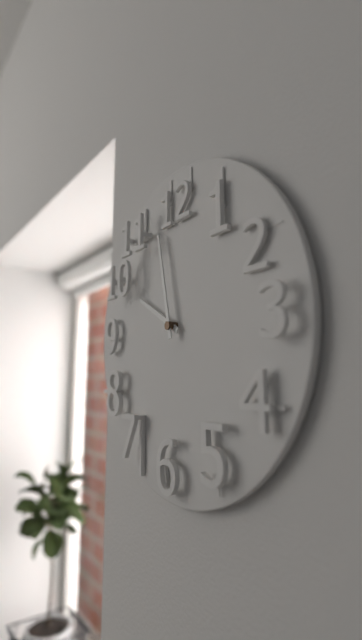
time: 9:58
